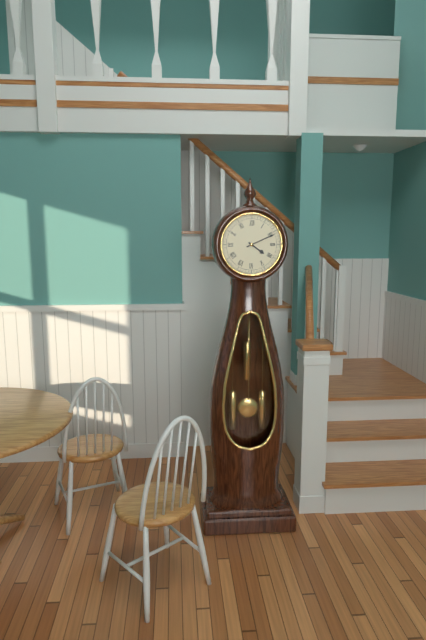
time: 4:11
